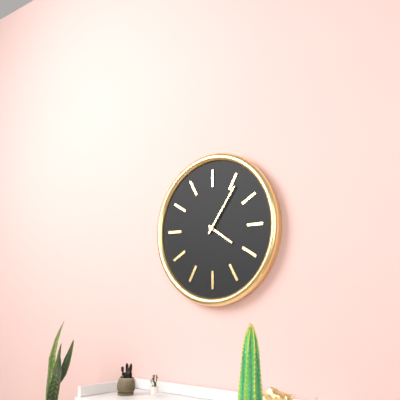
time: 4:06
